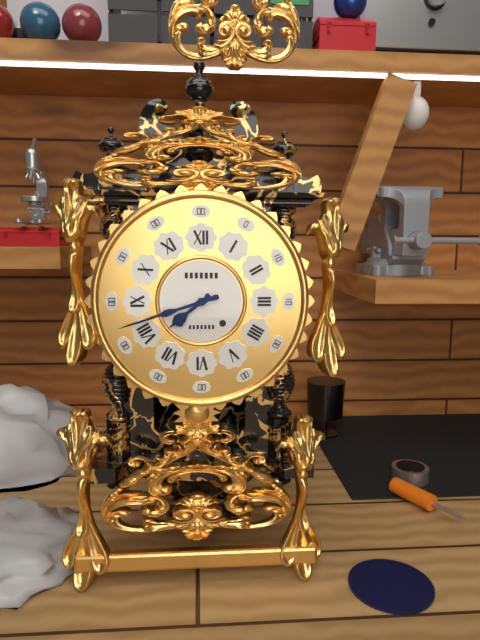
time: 7:42
